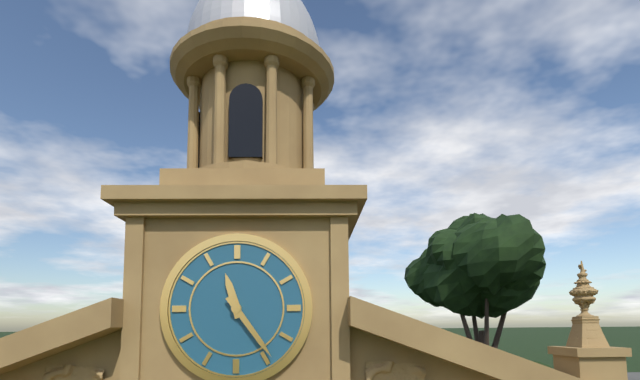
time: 11:24
